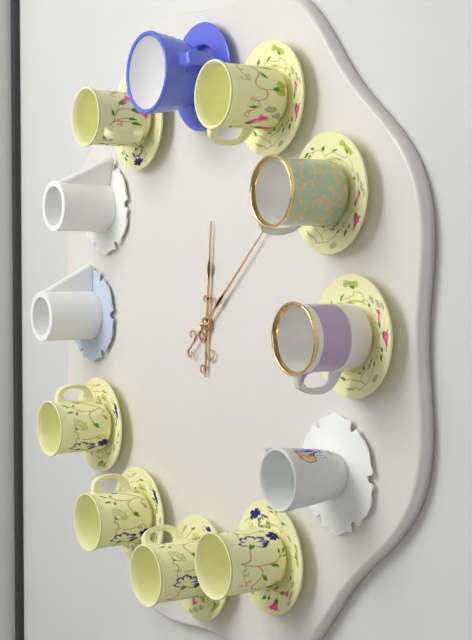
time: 12:08
